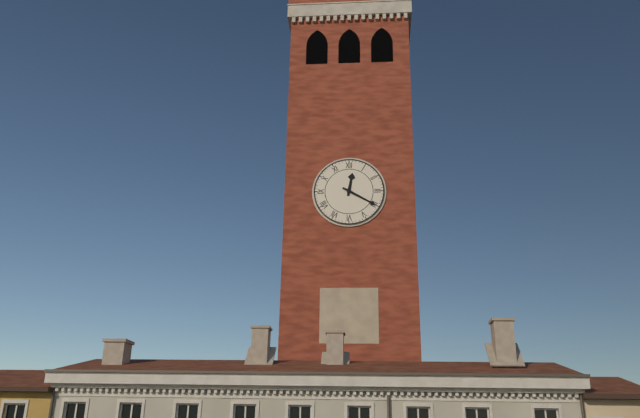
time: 12:20
